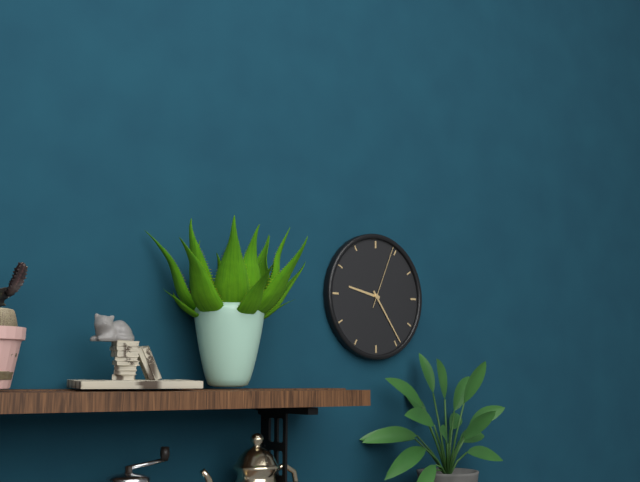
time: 9:24:04
